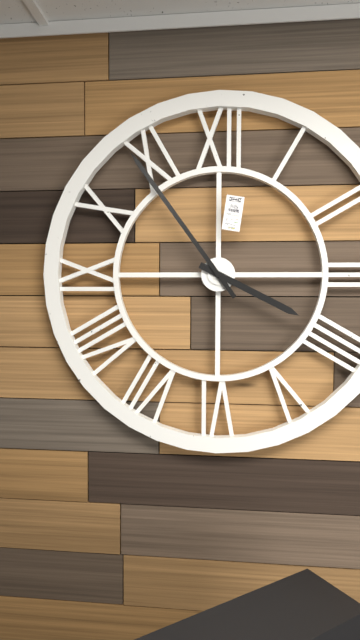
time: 3:54
